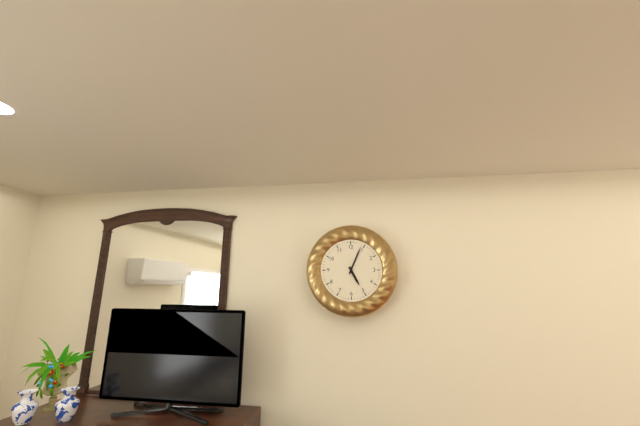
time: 5:04
